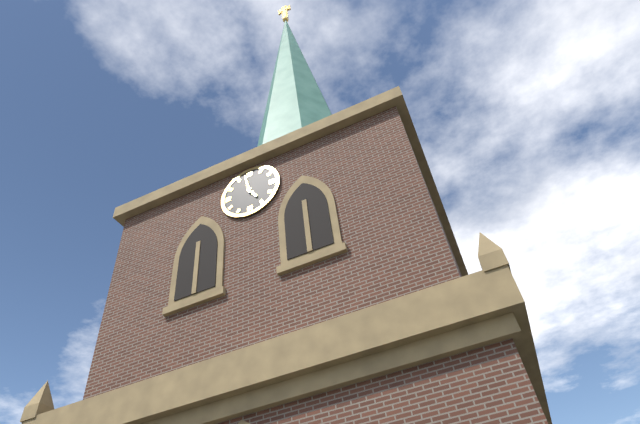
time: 4:58
